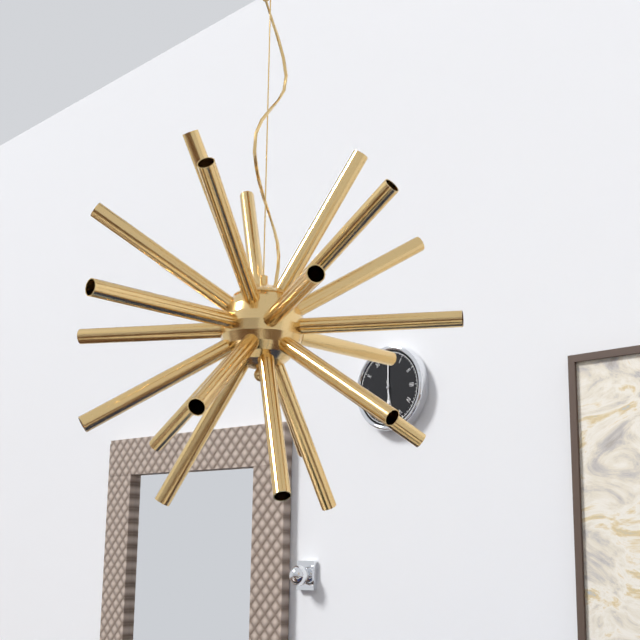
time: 6:00
